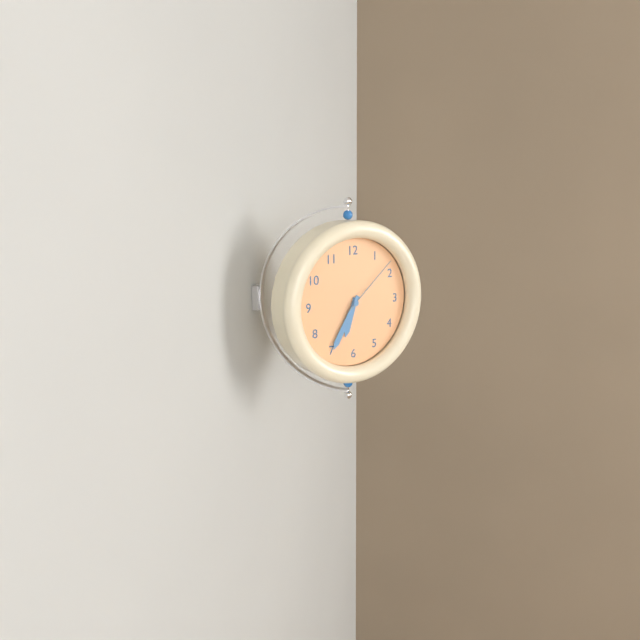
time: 6:35:08
